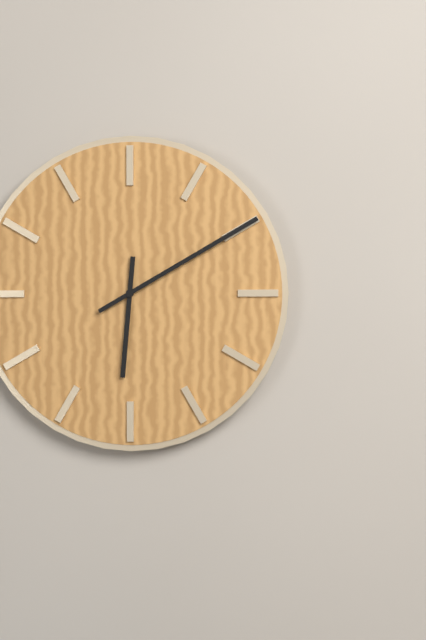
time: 6:10
